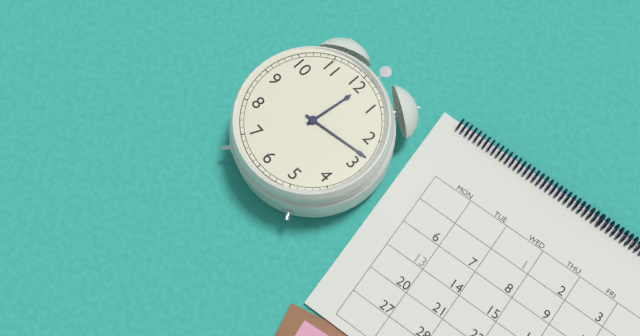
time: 12:13
